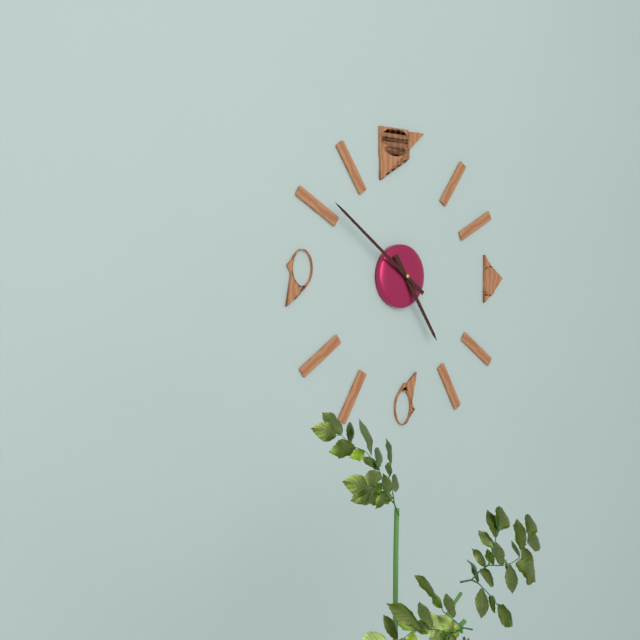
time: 4:51
